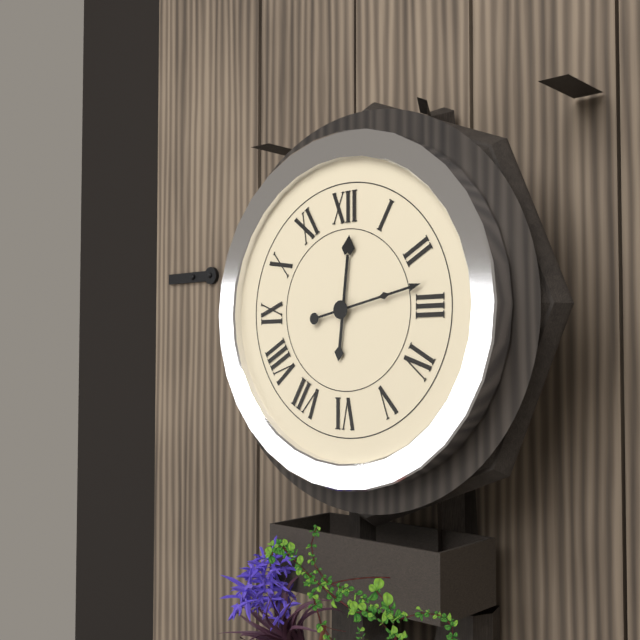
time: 12:13
